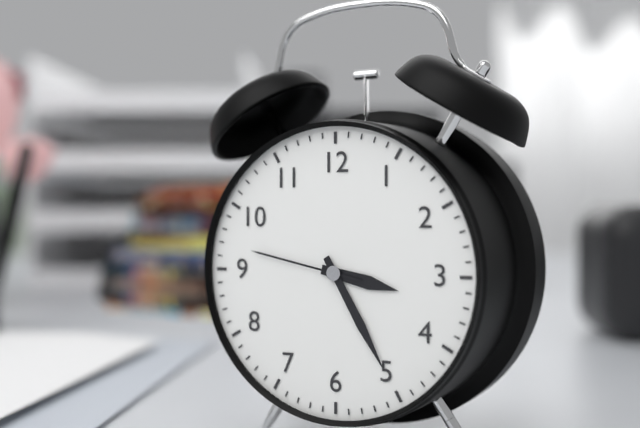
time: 3:25:47
